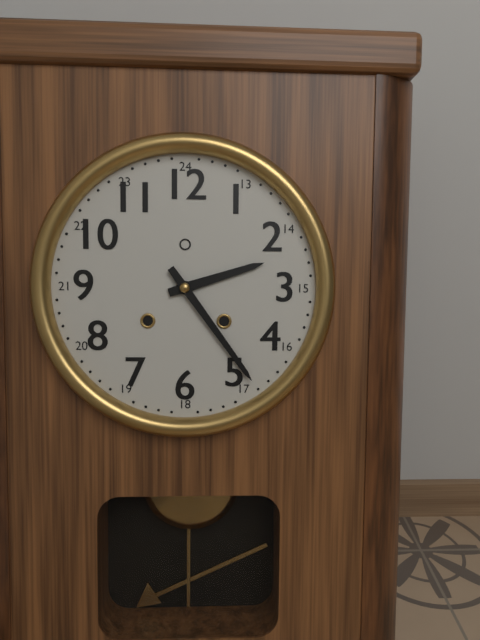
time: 2:24
